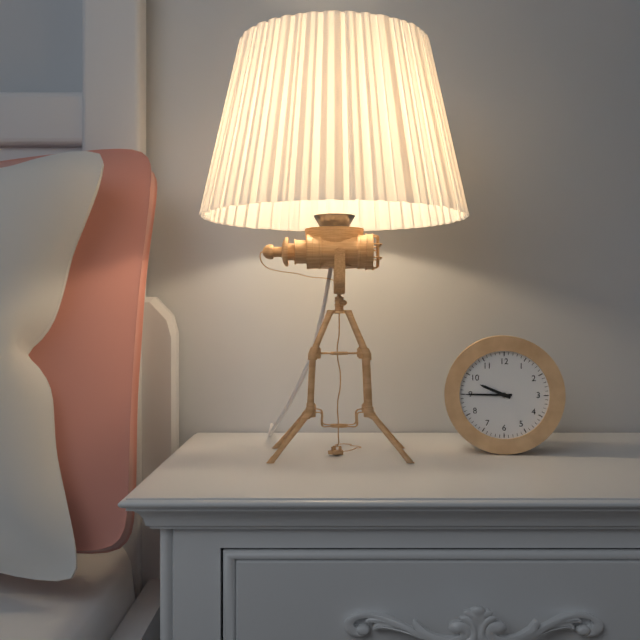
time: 9:45
